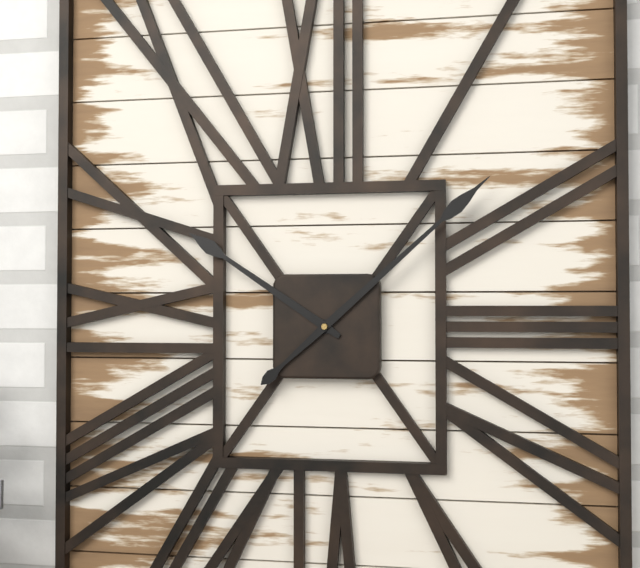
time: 10:08
